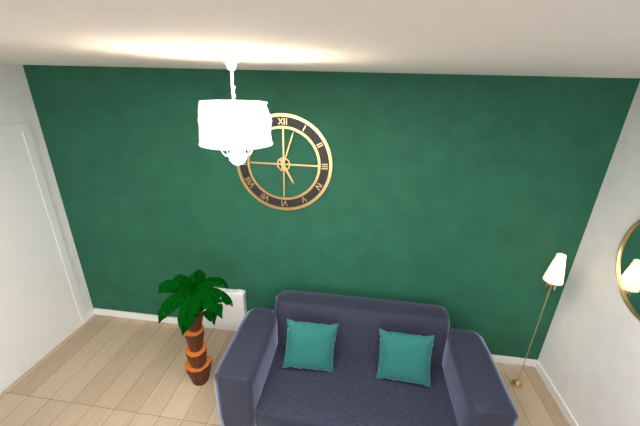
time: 5:03
